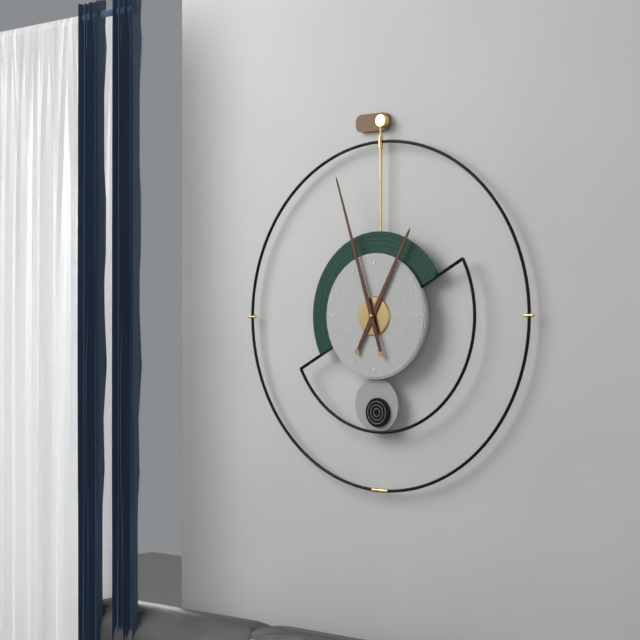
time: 12:57
